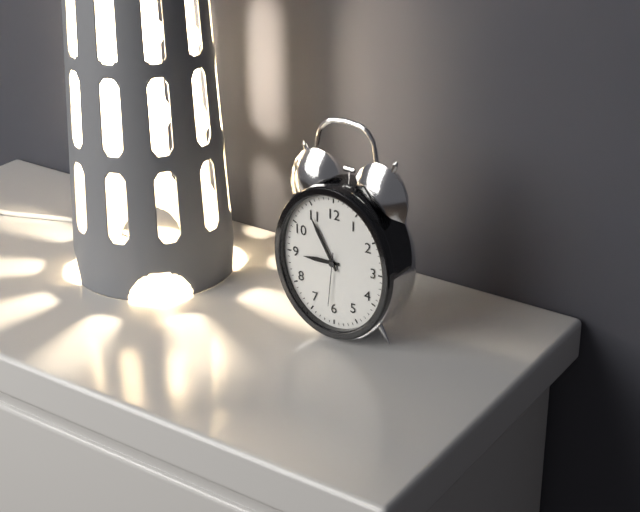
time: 8:55:31
